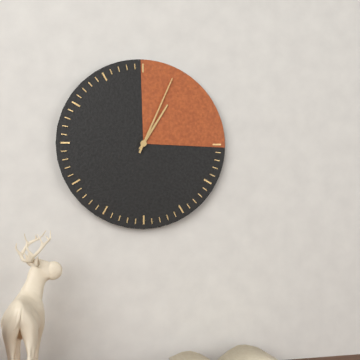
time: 1:04
